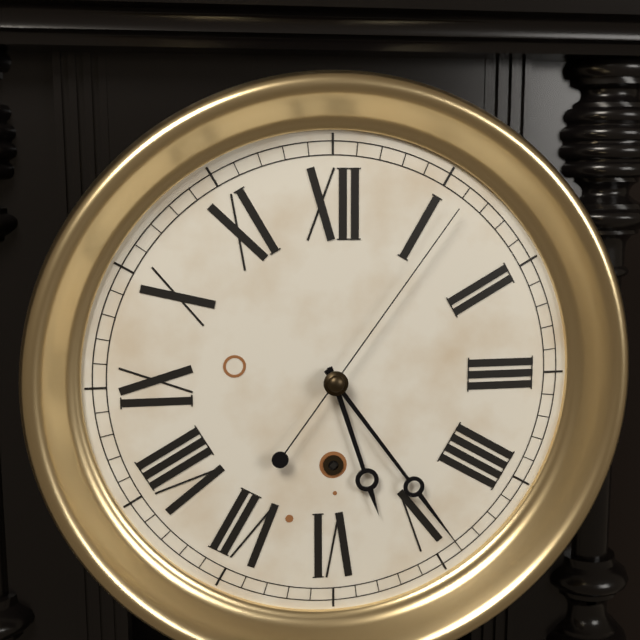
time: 5:24:06
